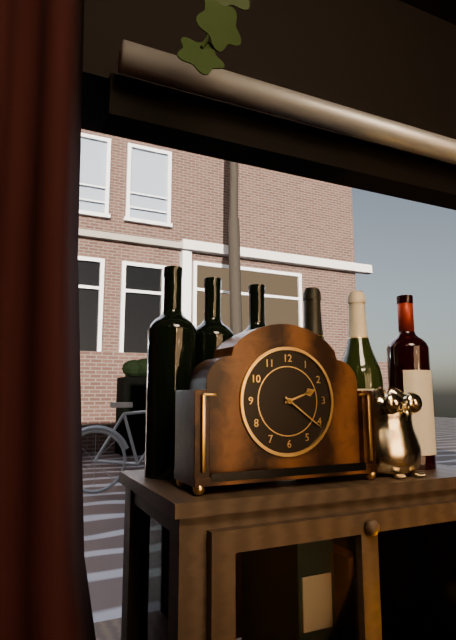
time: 2:21
